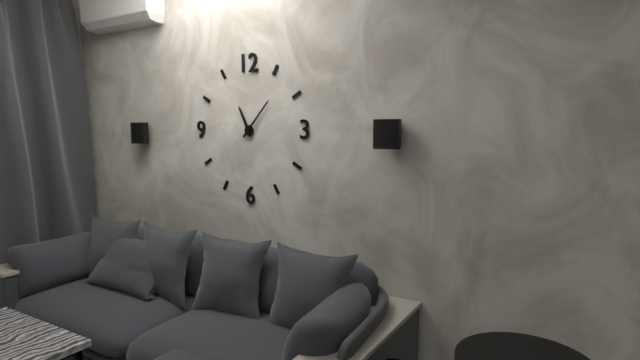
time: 11:07
